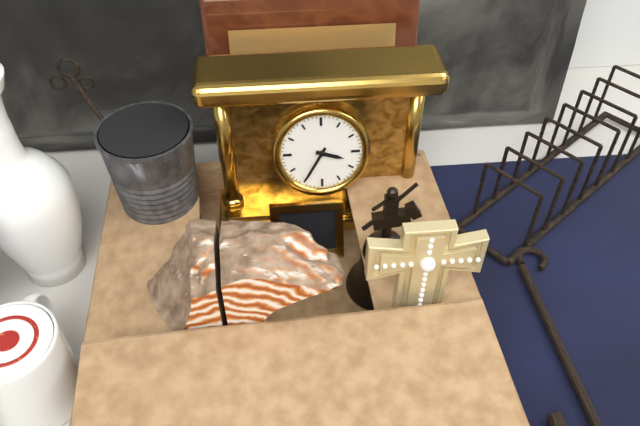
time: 3:35
